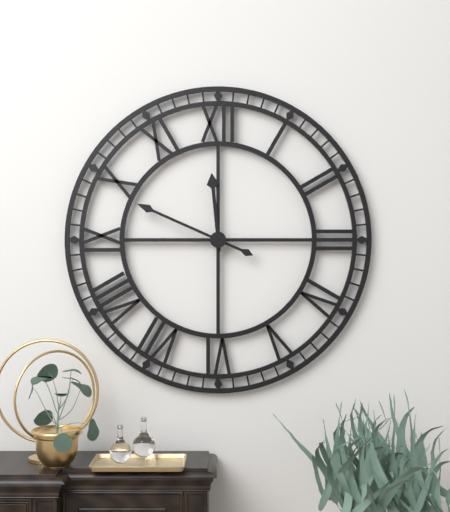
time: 11:49
